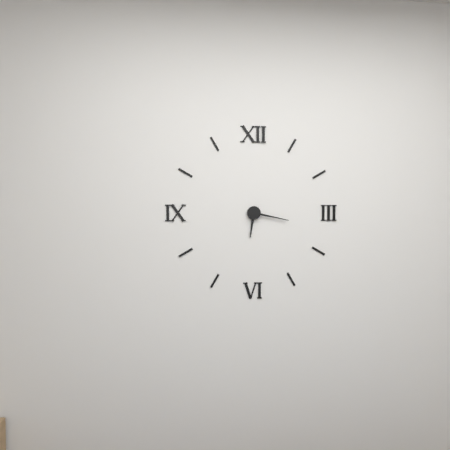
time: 6:17
